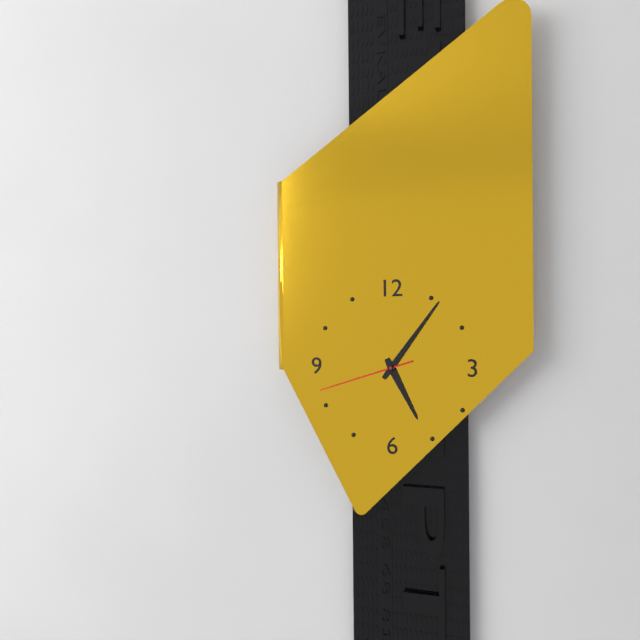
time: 5:06:42
